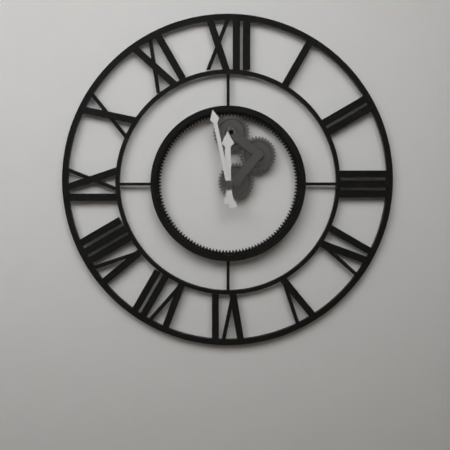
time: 11:58
